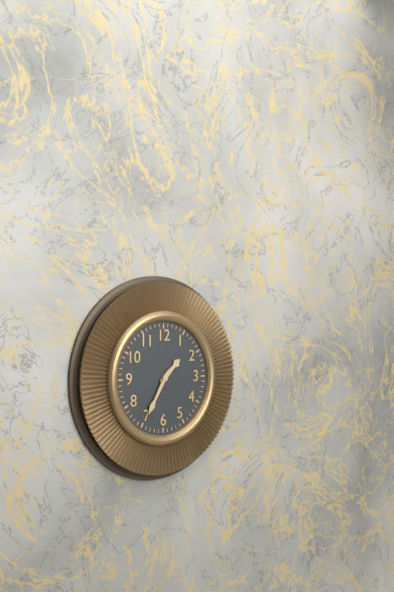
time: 1:35
